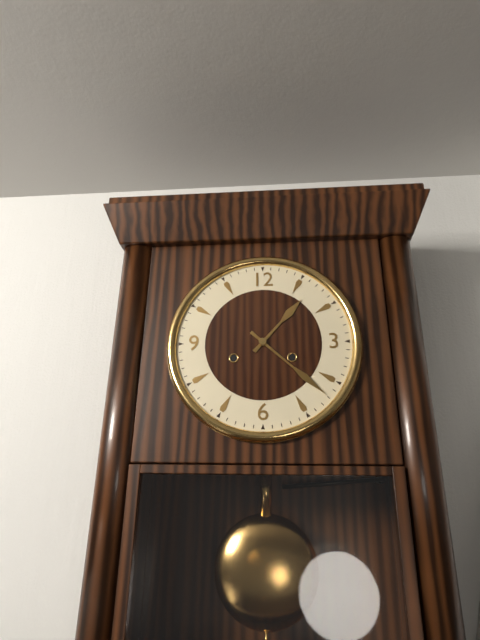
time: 1:22
